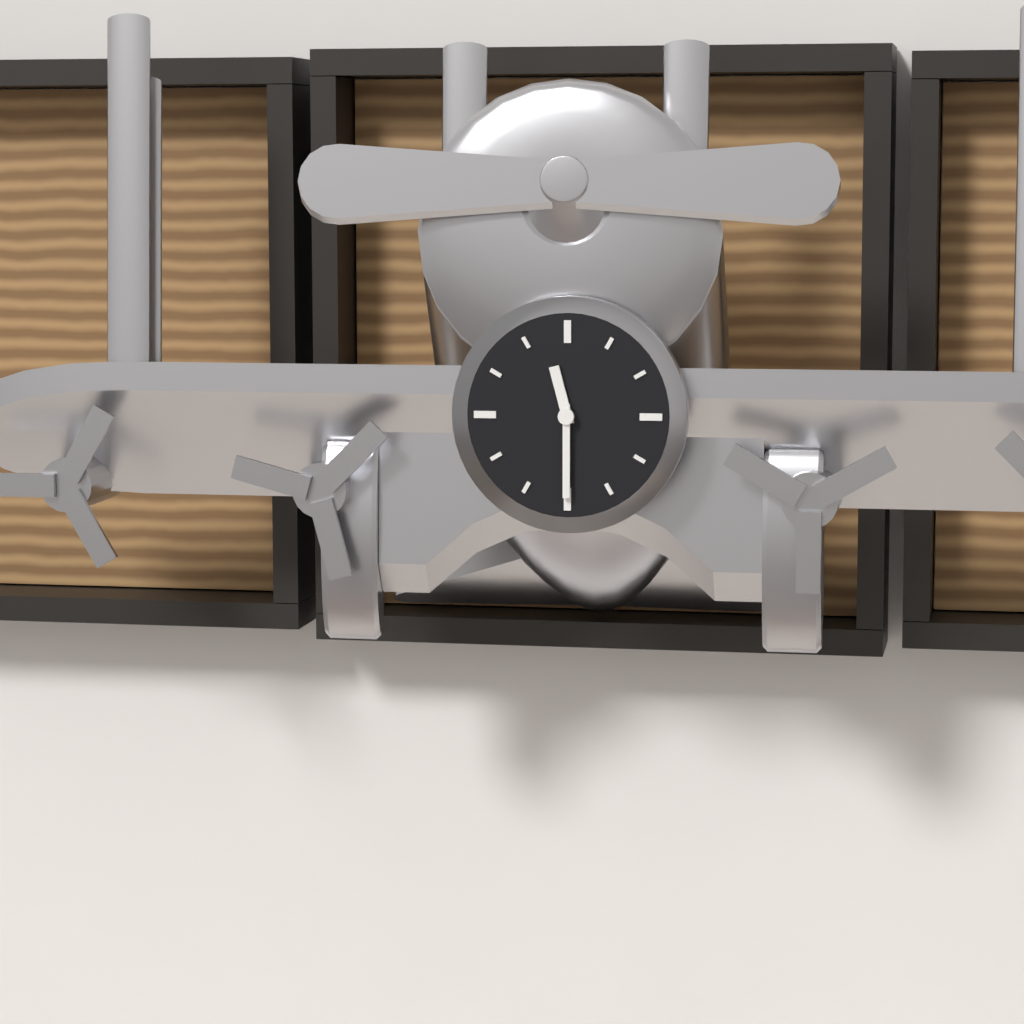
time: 11:30
